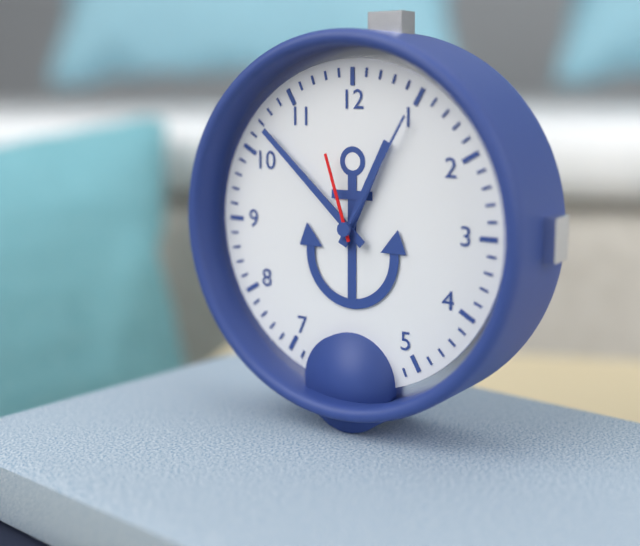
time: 12:52:57
